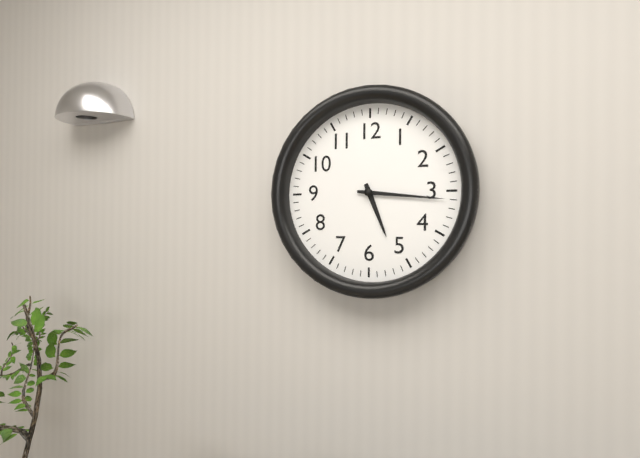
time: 5:16
